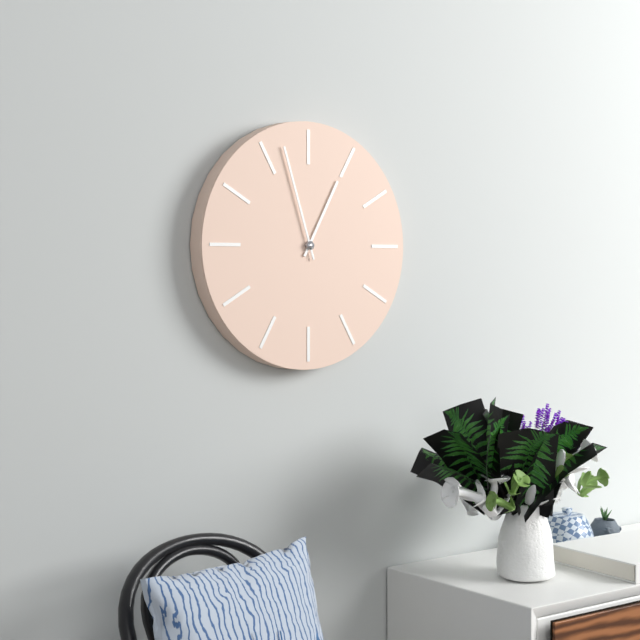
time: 12:57
